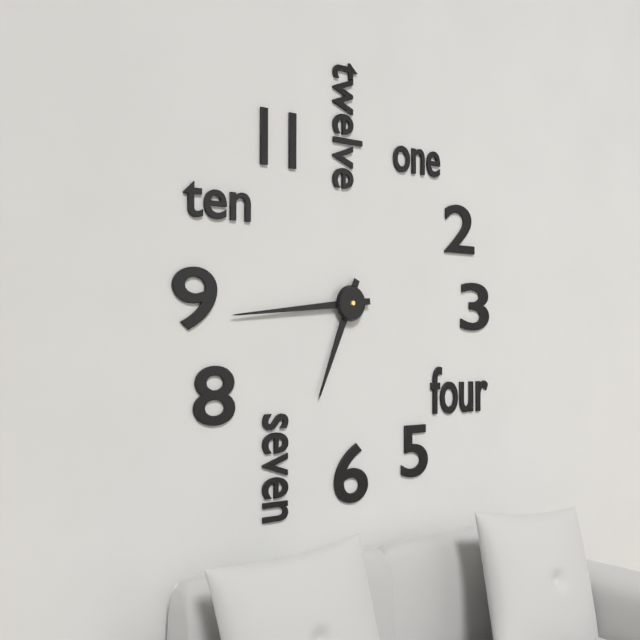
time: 6:44
